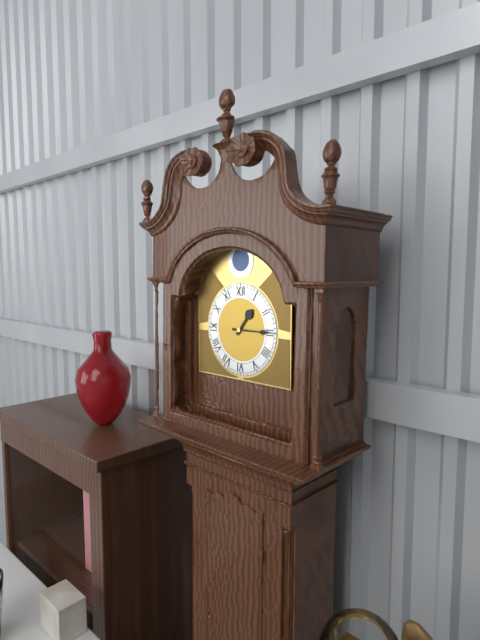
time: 1:15
